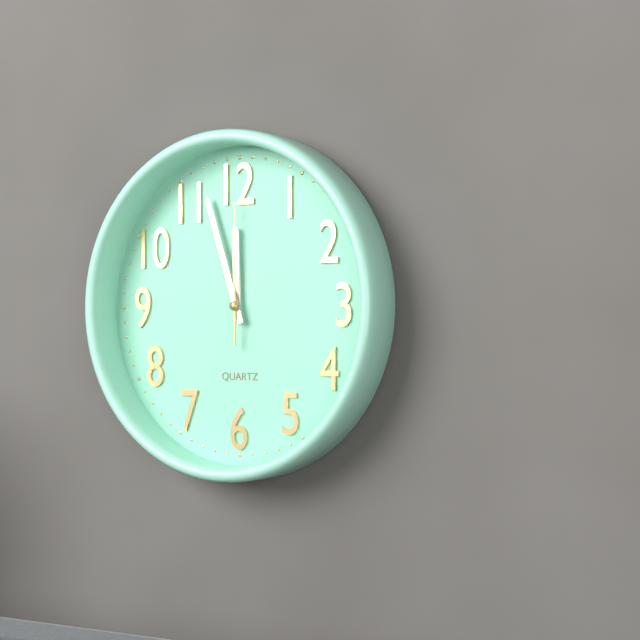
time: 11:57:00
